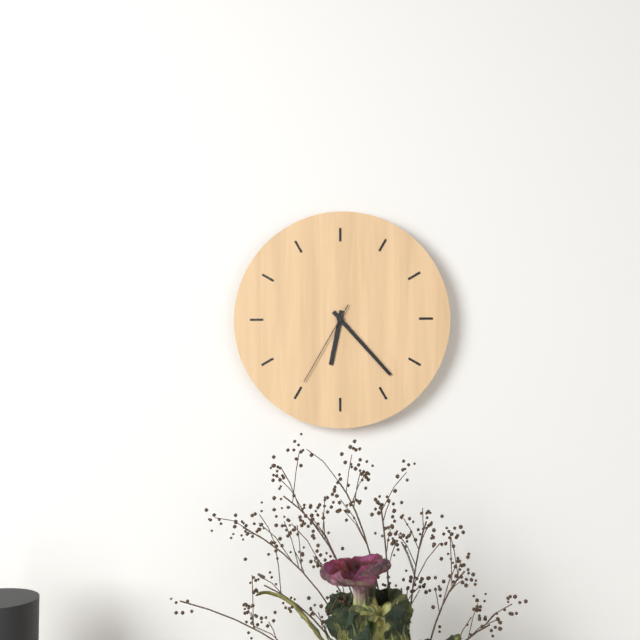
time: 6:23:35
